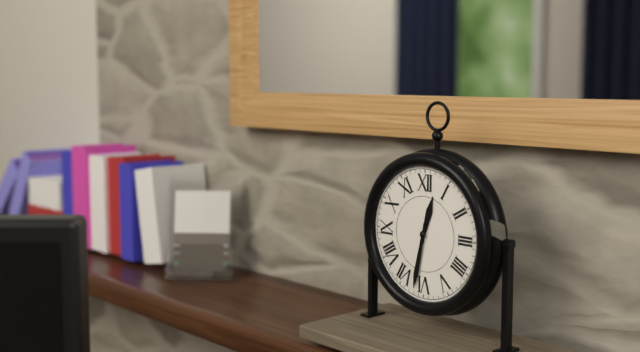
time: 12:32
